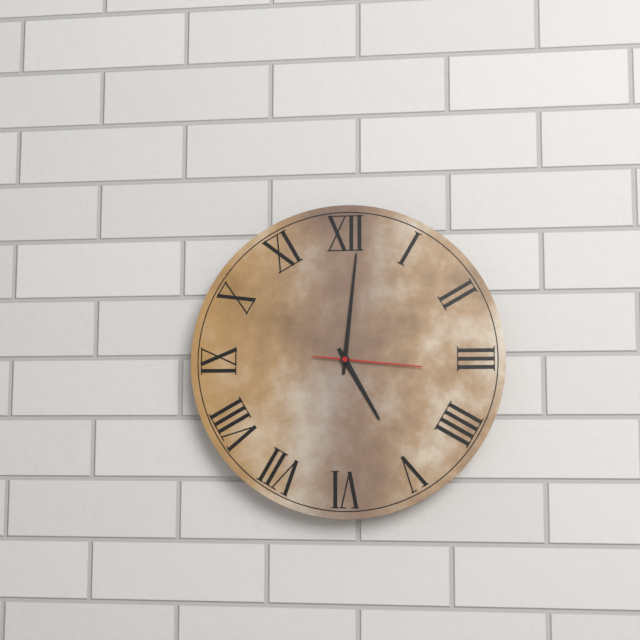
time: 5:01:16
